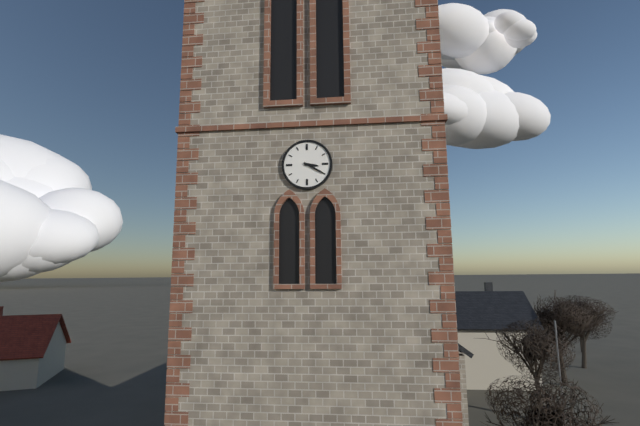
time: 3:20
